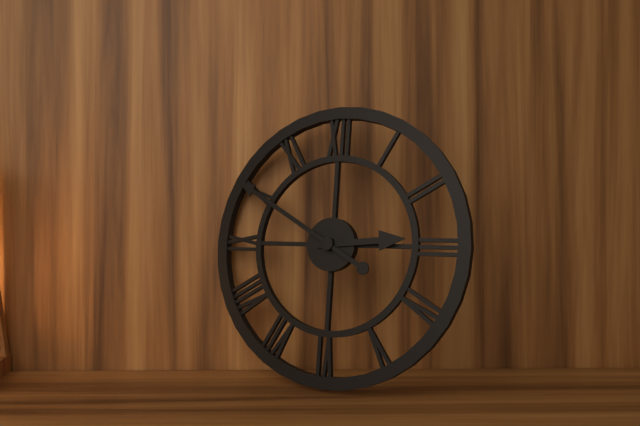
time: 2:50
